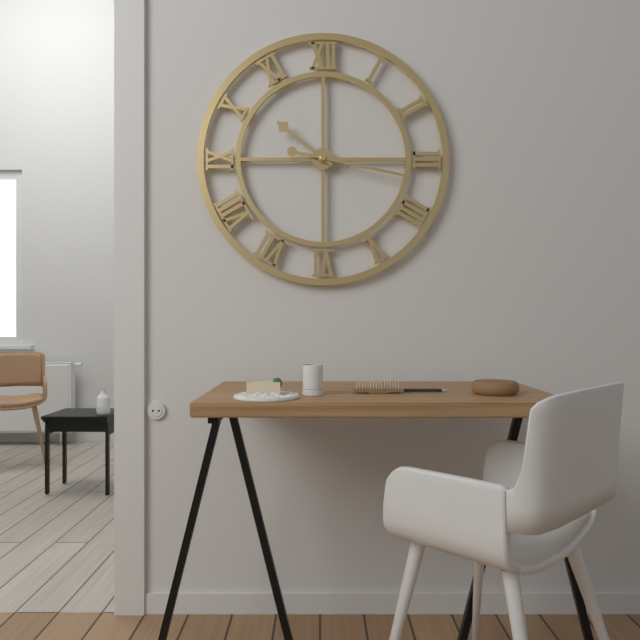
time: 10:17
